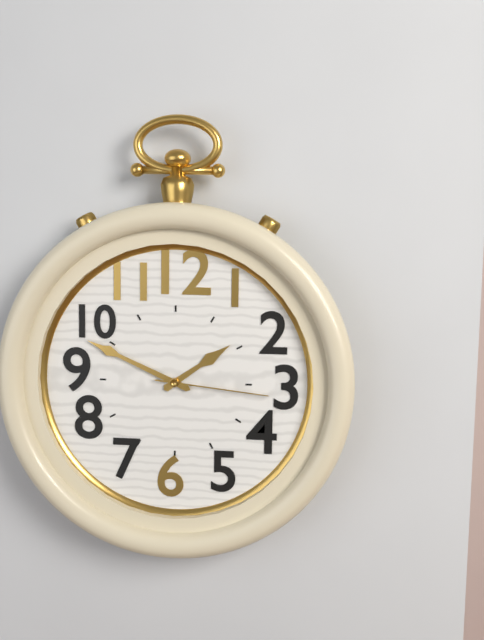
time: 1:49:16
